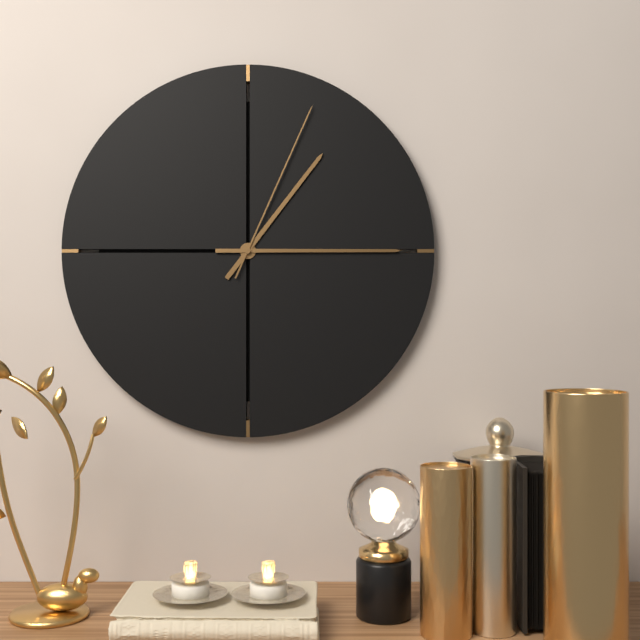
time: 1:15:04
